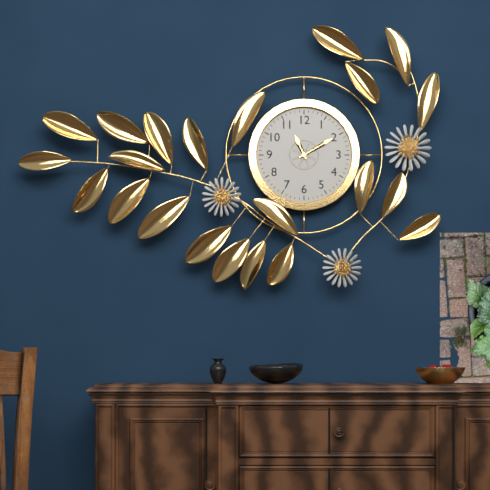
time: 11:10
